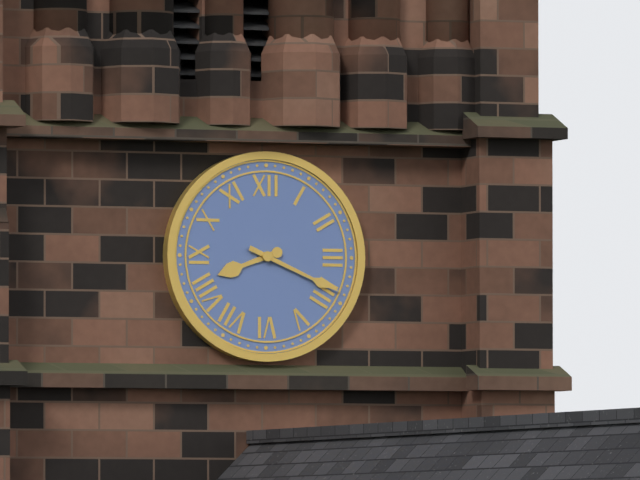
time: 8:19
